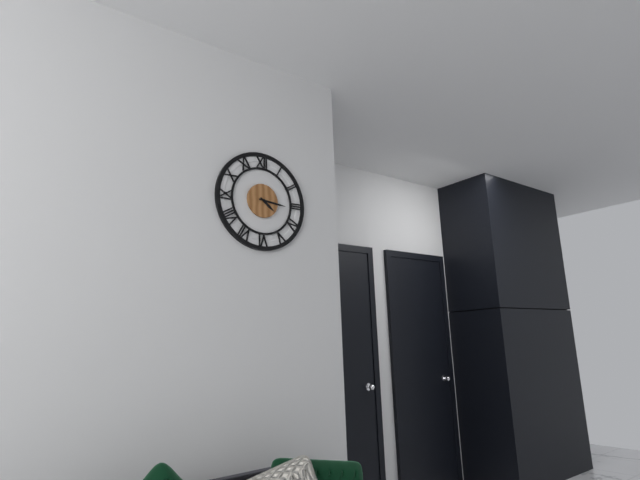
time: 4:16
